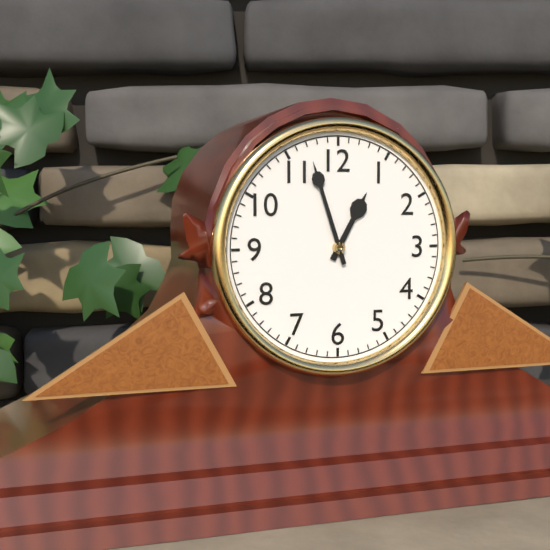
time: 12:57
